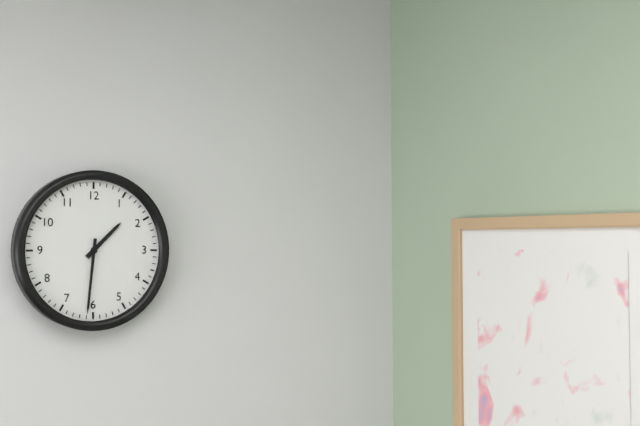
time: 1:31
